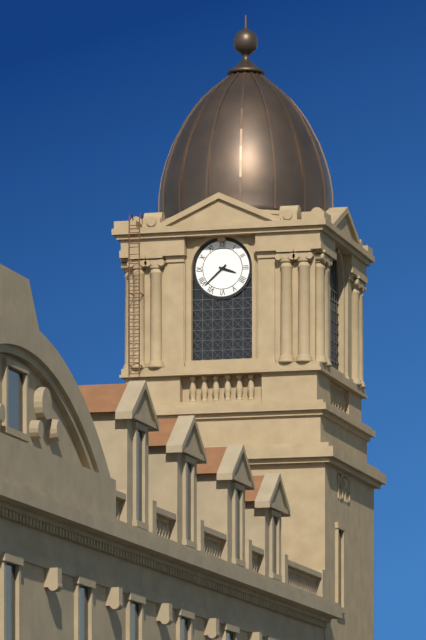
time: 3:38
